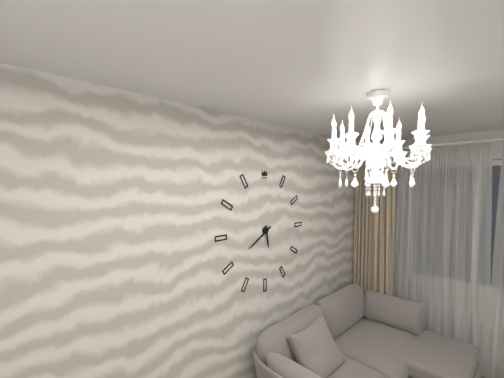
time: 5:40
